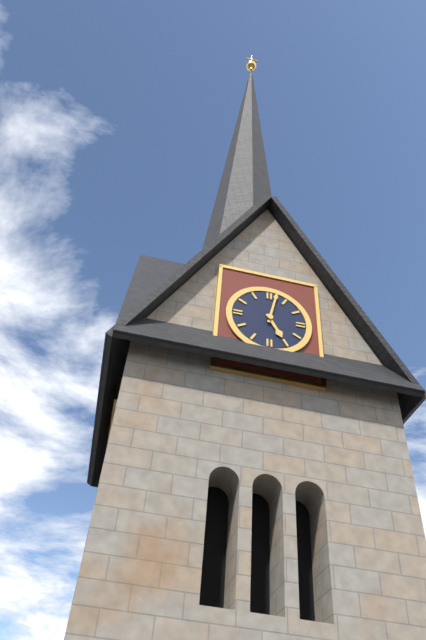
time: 5:02
